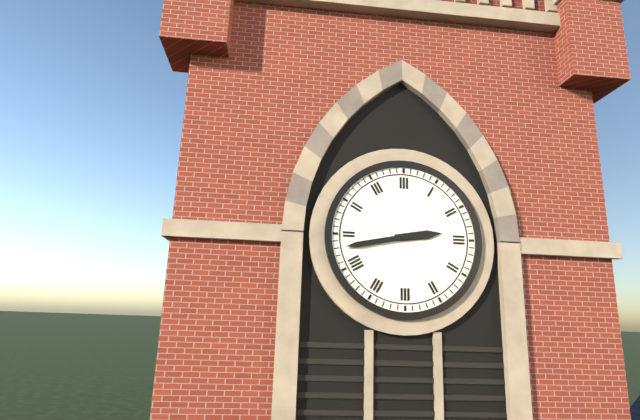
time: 2:43
